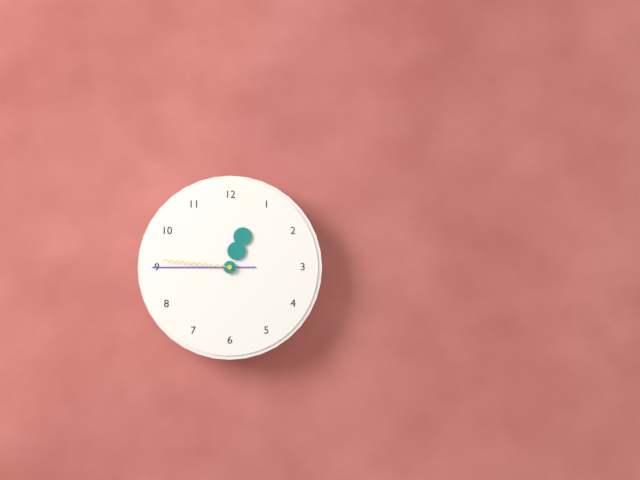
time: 12:45:46
